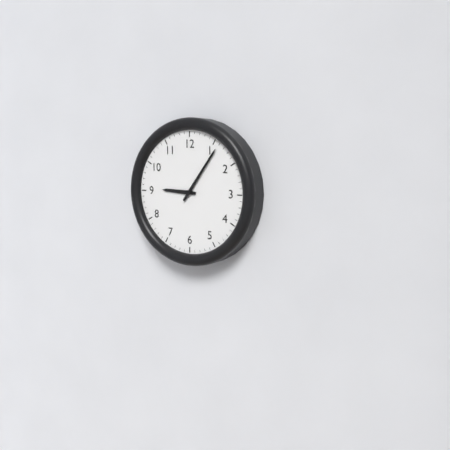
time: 9:06
